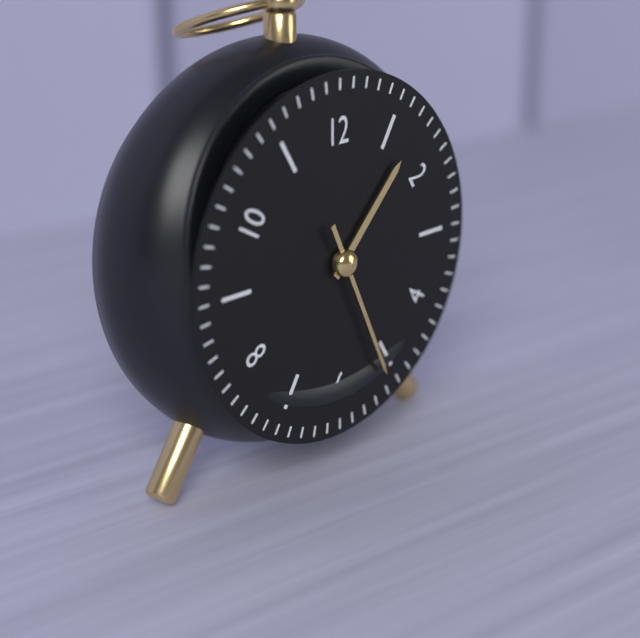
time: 1:26
